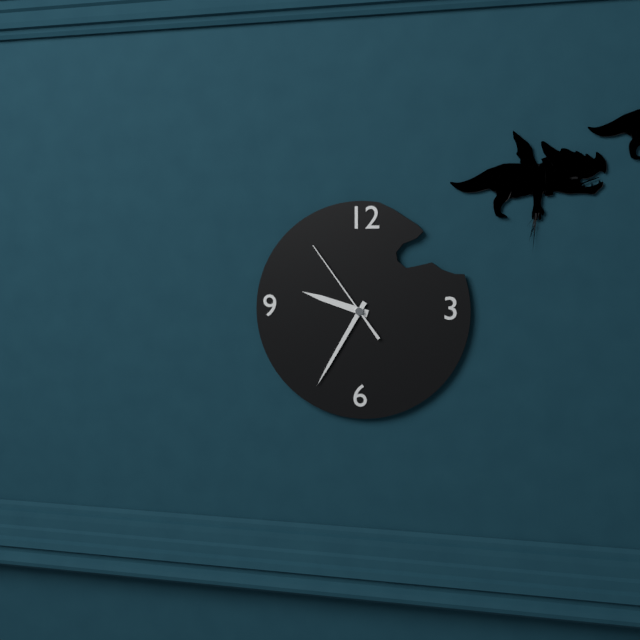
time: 9:35:54
